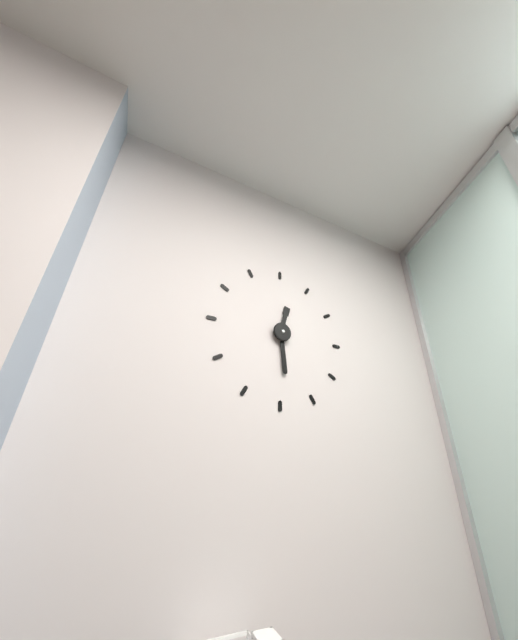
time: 12:29
